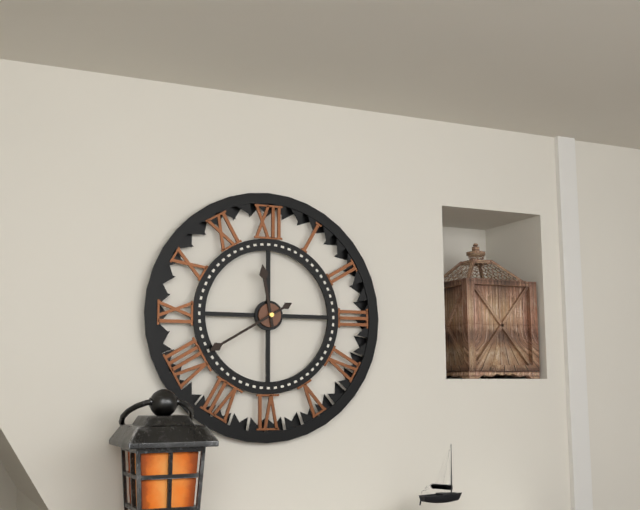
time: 11:40
